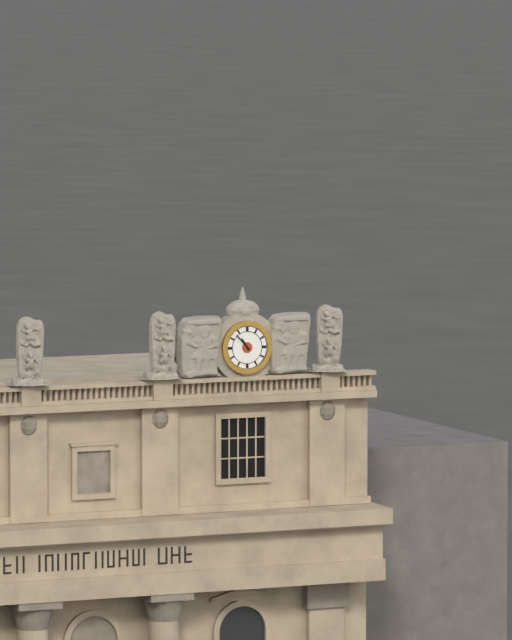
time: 10:53
